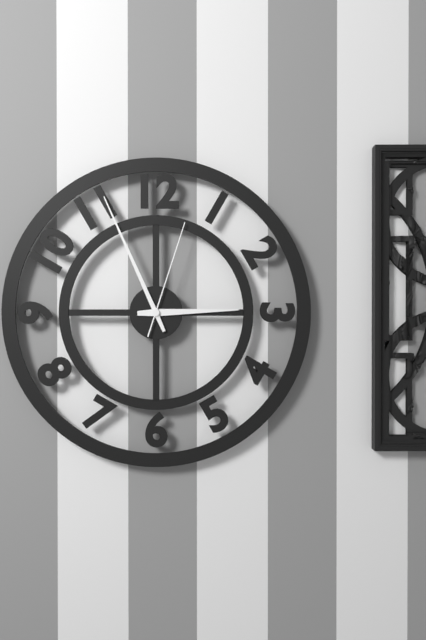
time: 2:56:03
